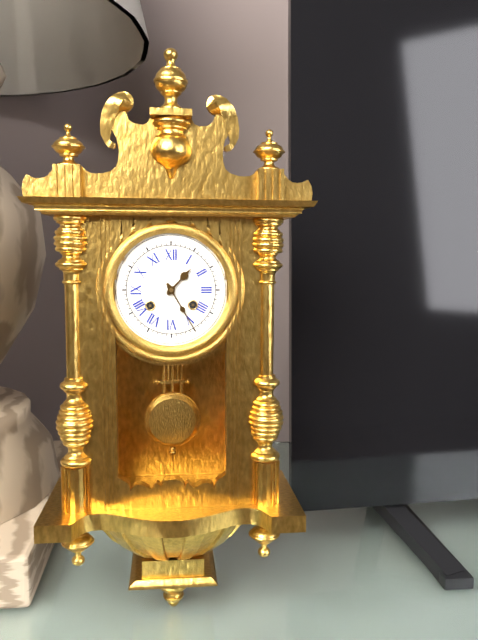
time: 1:25
